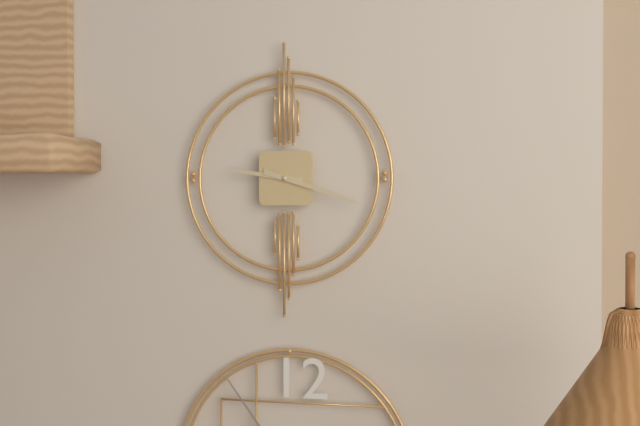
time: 9:18
